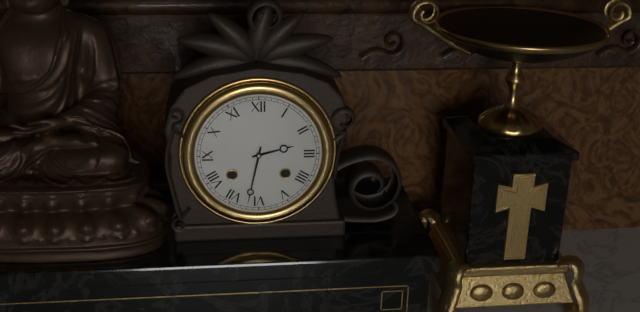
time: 2:32
